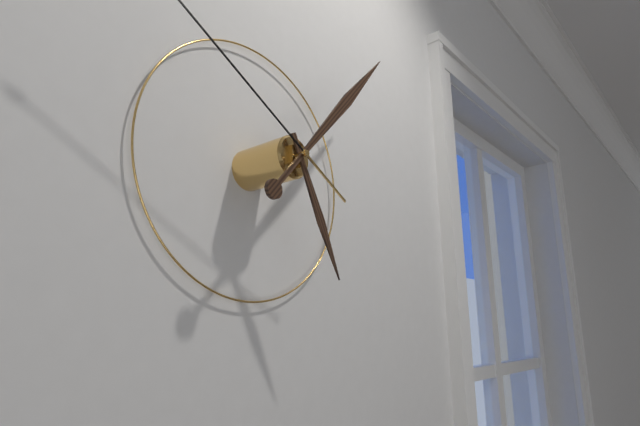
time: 5:07
